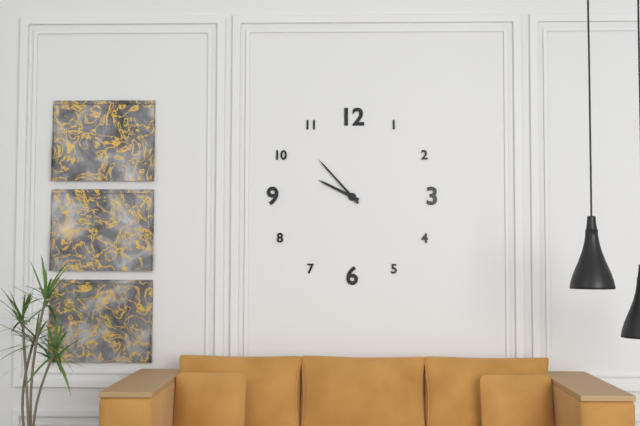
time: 9:53
